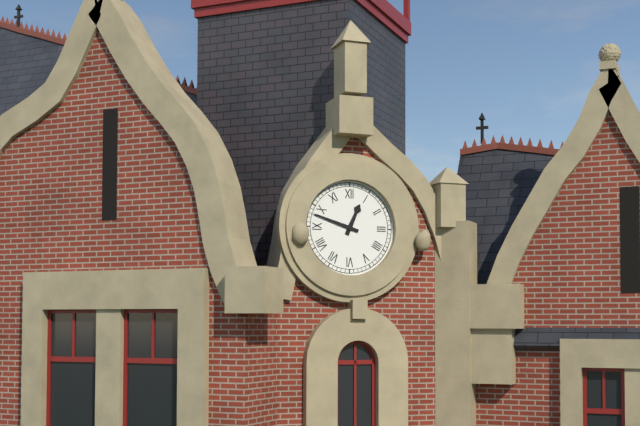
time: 12:48
